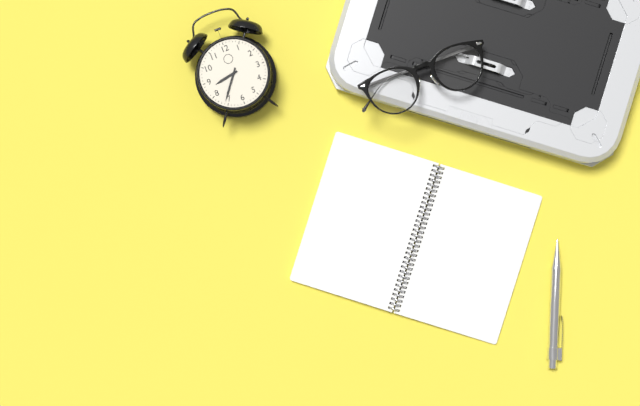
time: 8:36
